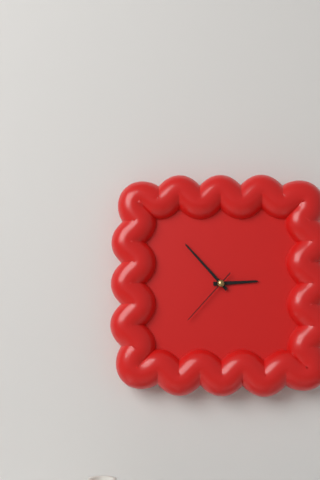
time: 2:53:37
